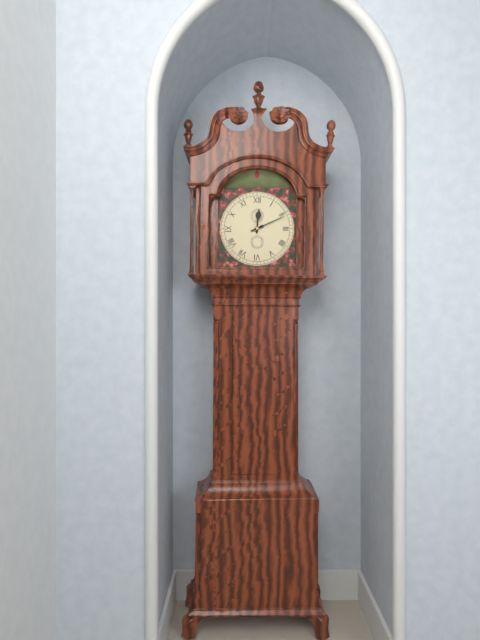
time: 12:11
